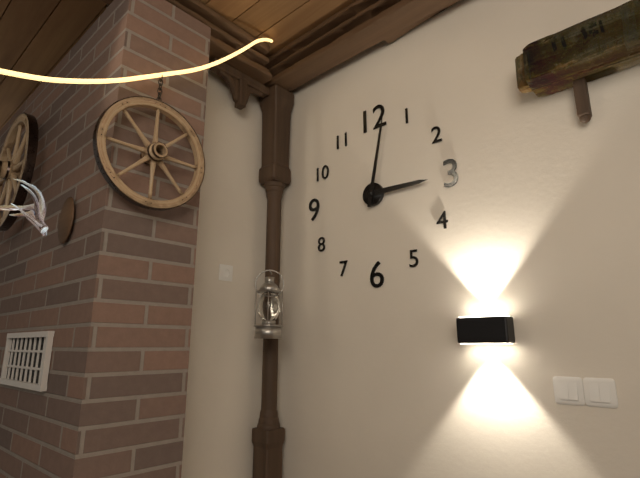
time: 3:02
